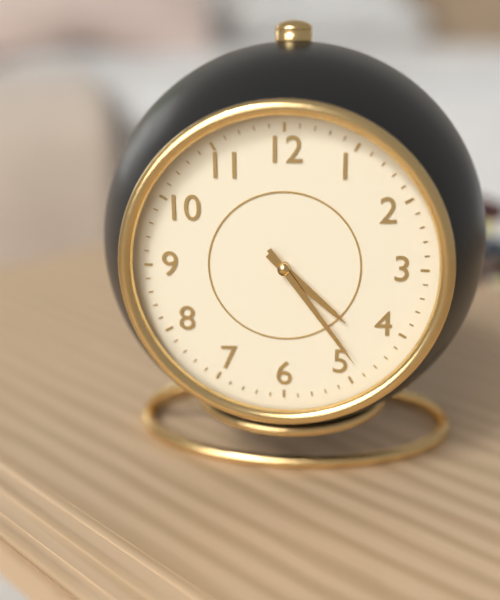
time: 4:24
